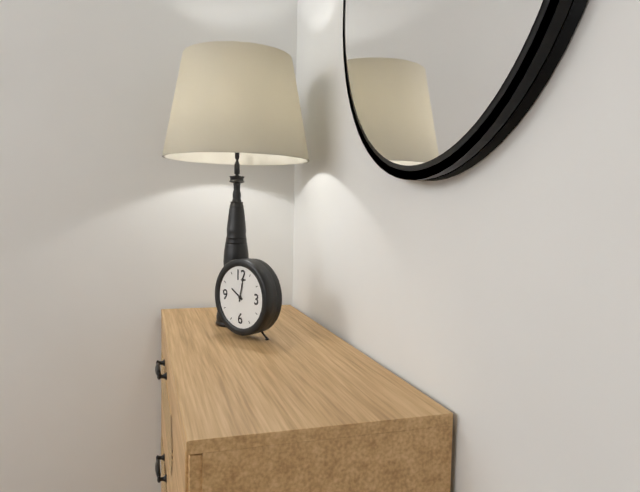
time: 10:02
